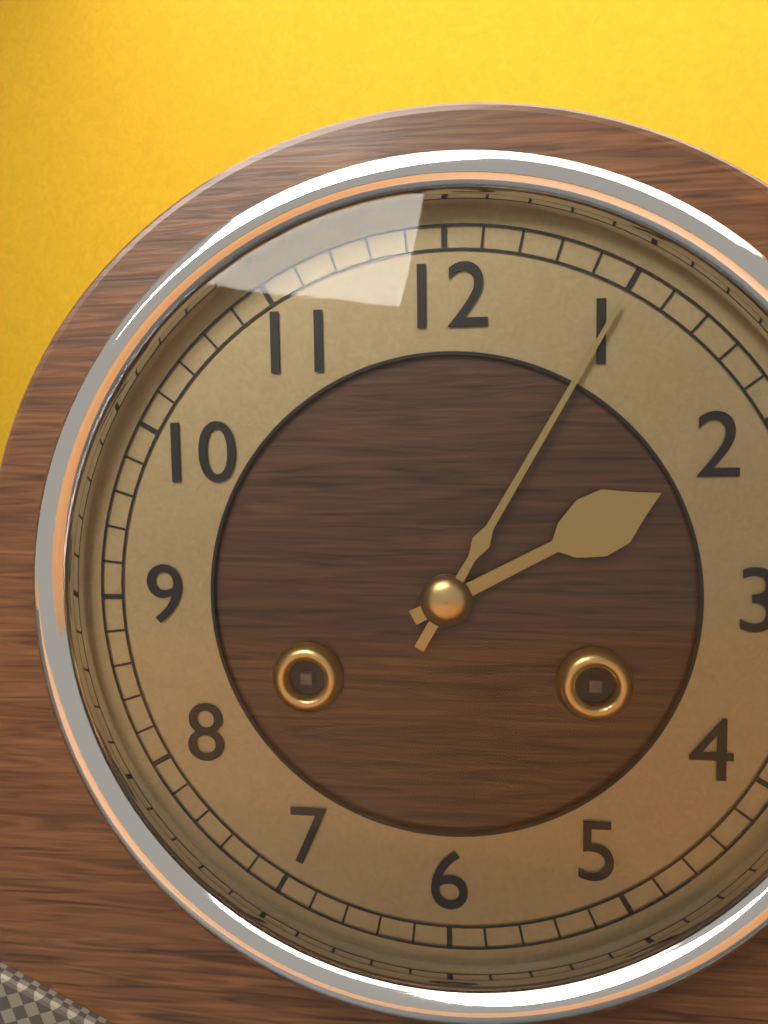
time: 2:05
